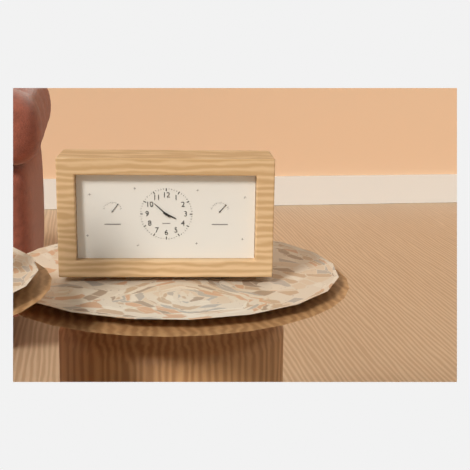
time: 3:52
